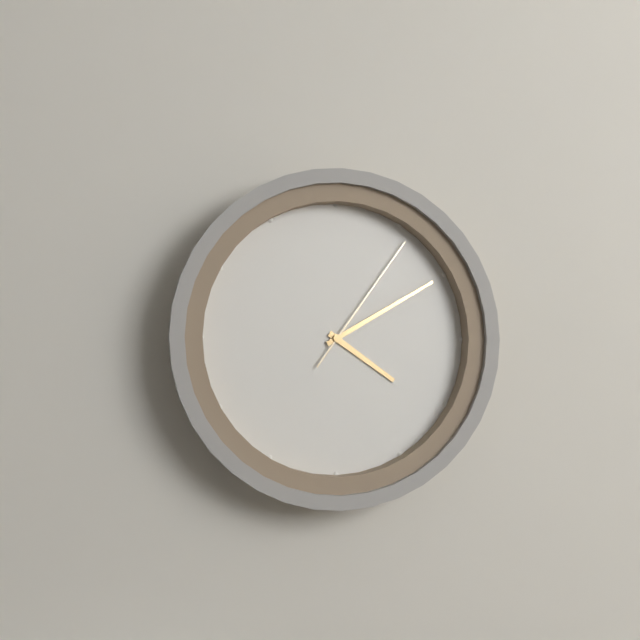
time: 4:10:06
